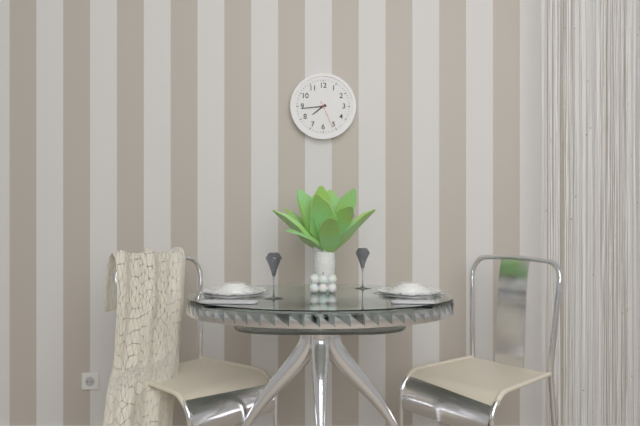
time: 7:44
